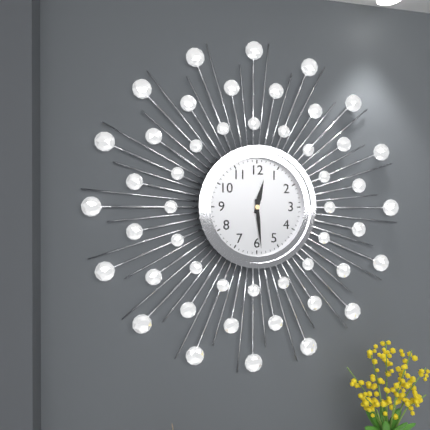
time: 12:29
